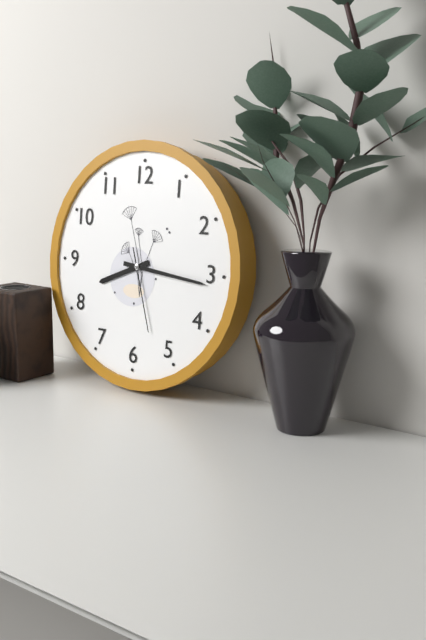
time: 8:16:27
